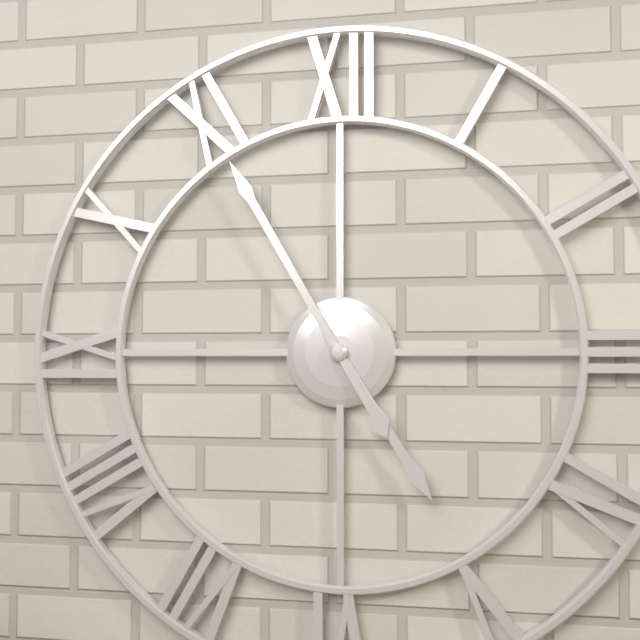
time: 4:55
